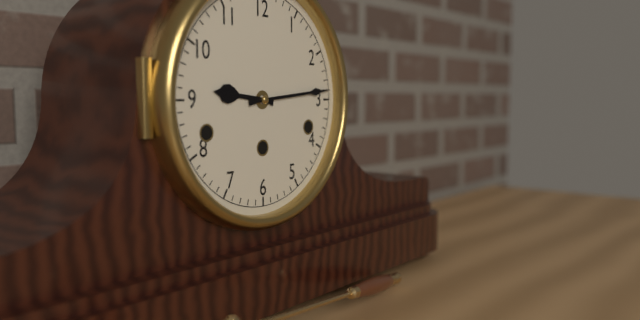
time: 9:14
